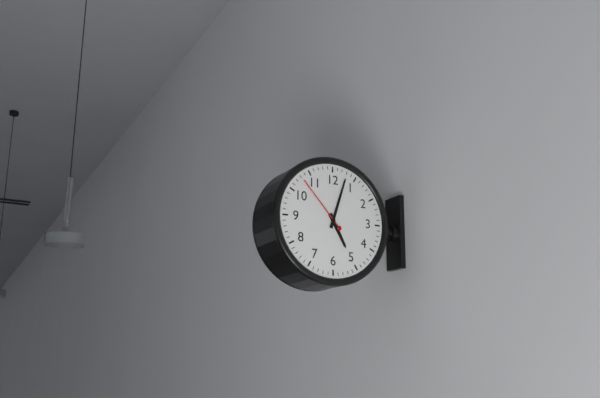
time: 5:03:53
